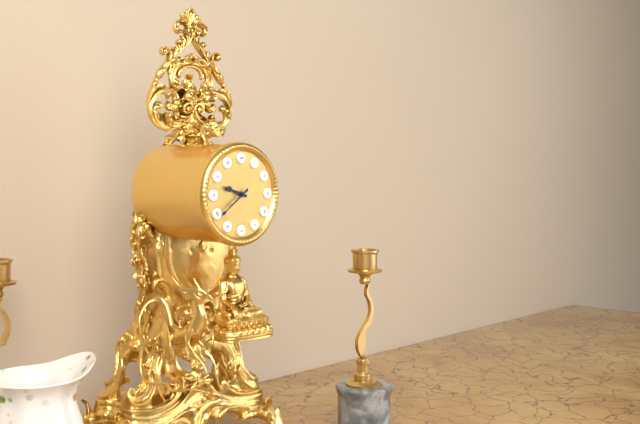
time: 9:39
